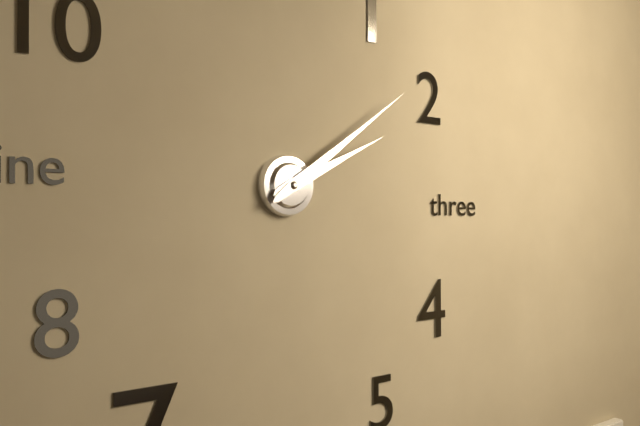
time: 2:09
